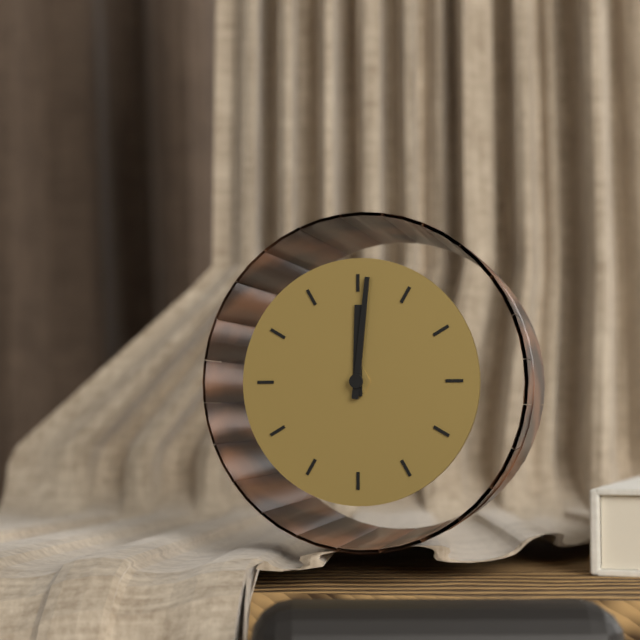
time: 12:01
